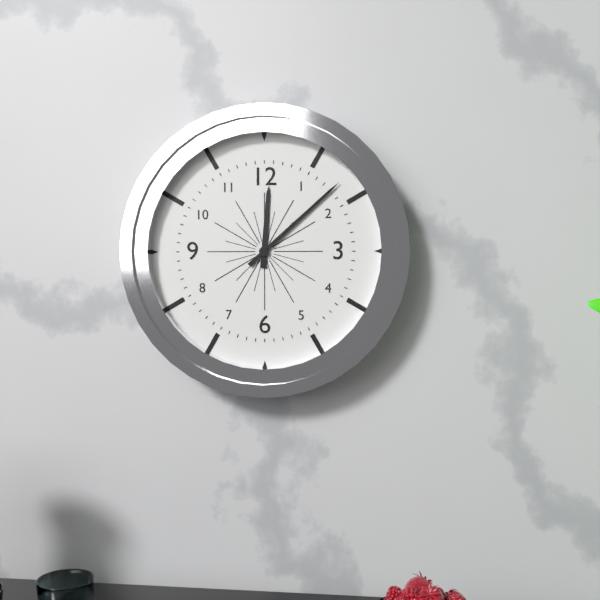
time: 12:08
